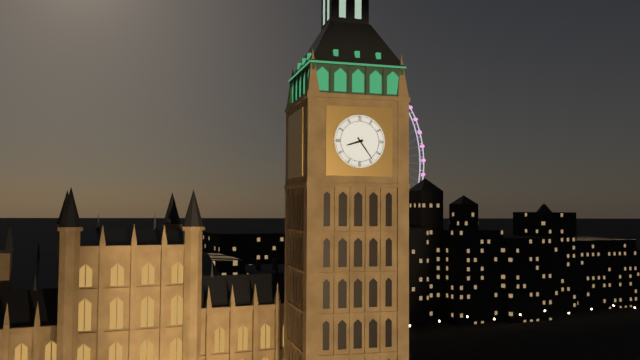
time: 8:24
